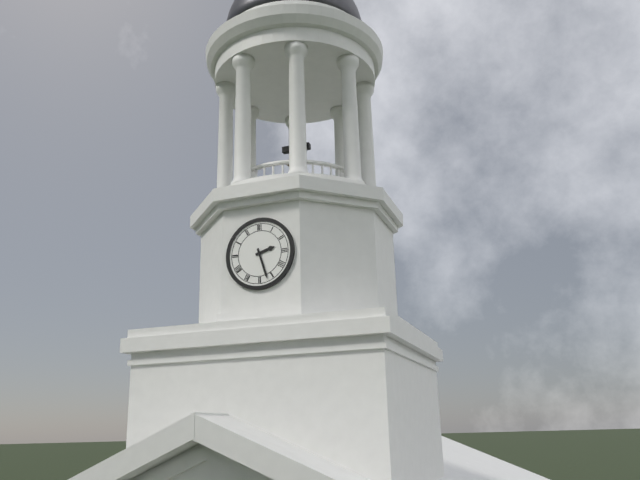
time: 2:27
